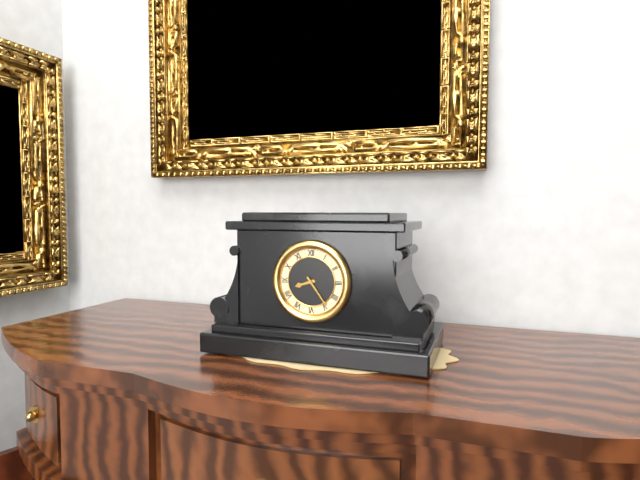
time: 8:24
